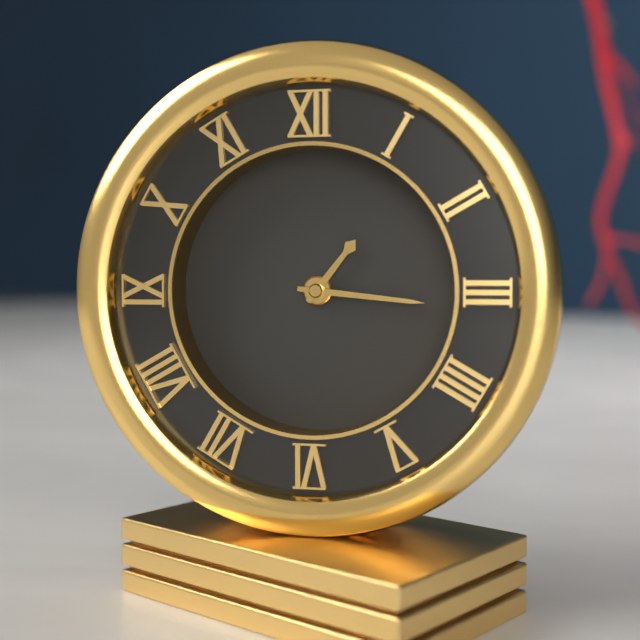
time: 1:16
